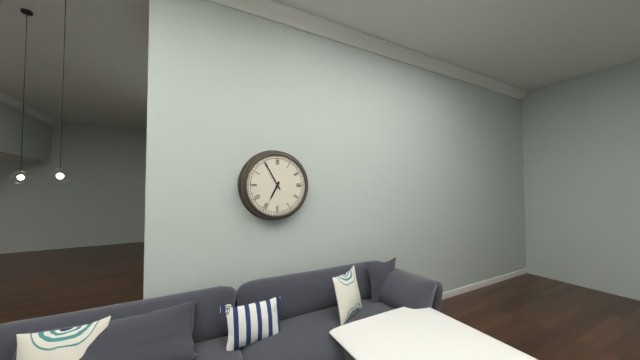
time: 6:55
